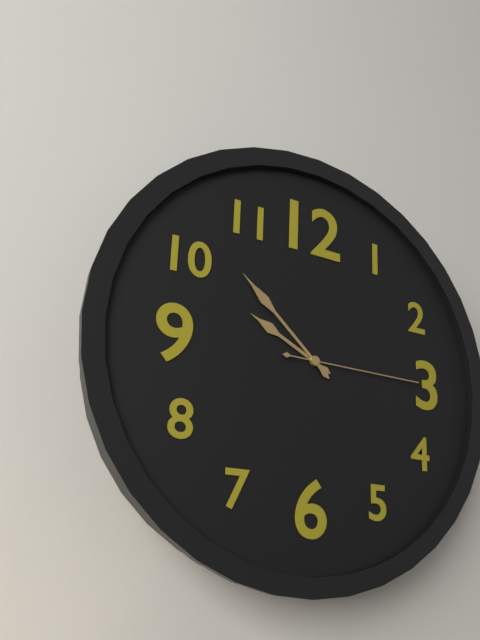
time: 9:52:15
